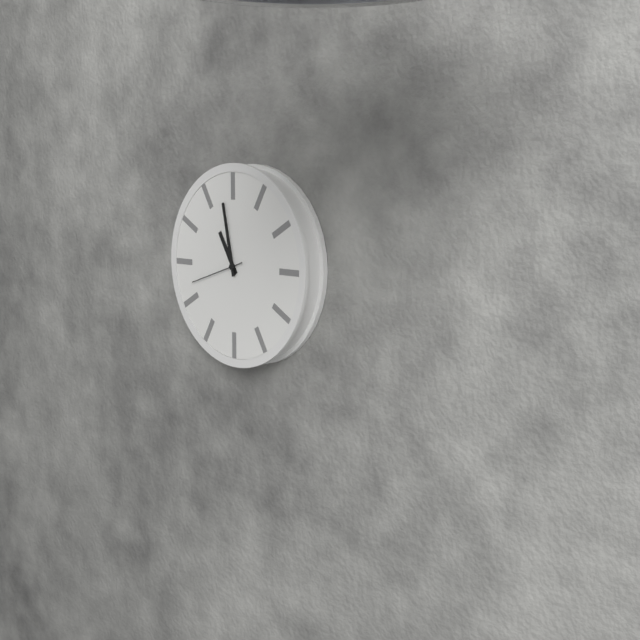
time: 10:58:42
